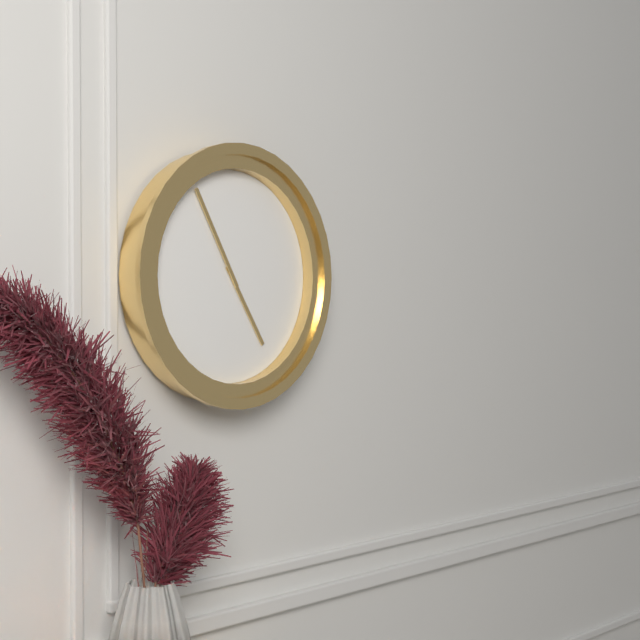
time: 4:55
